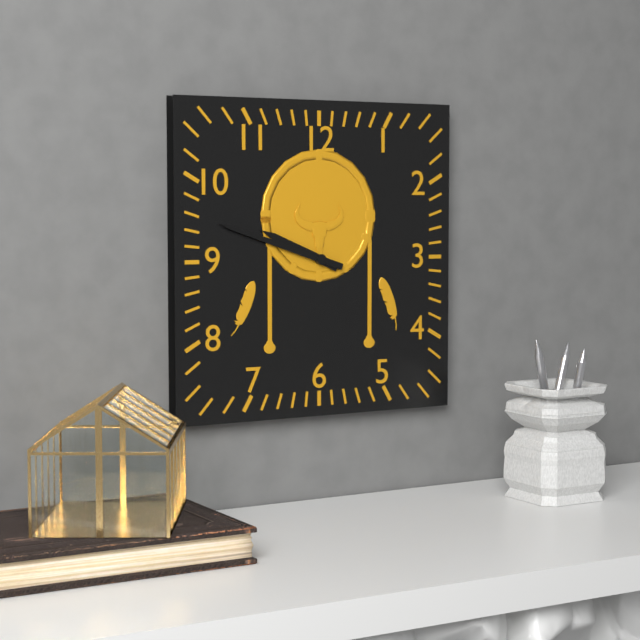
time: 9:48
